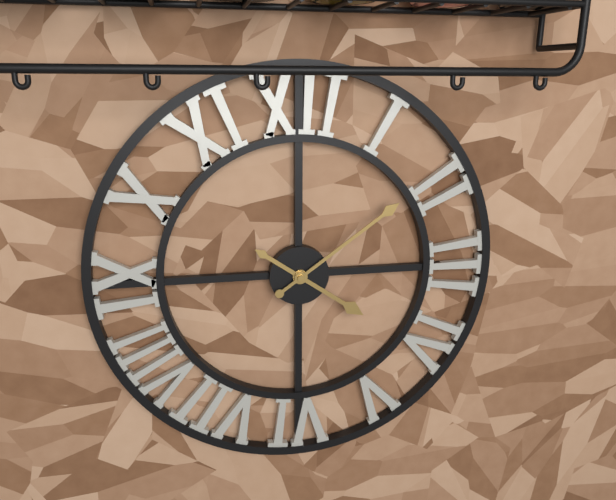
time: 4:09
